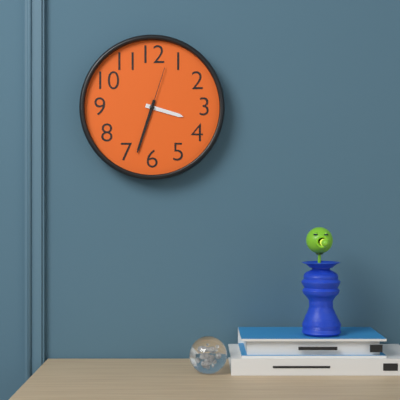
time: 3:33:03
